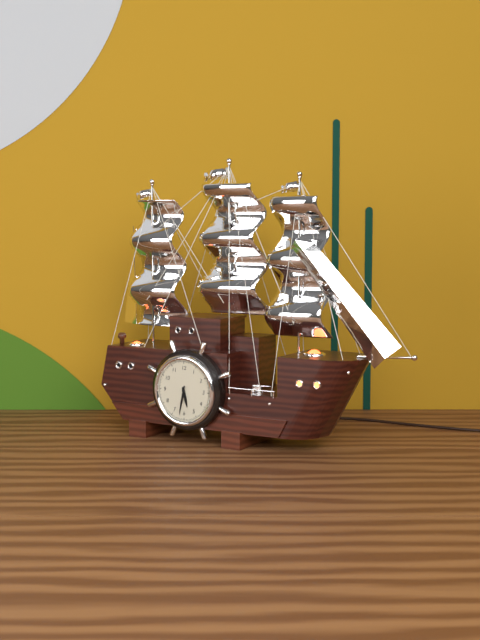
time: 5:32
